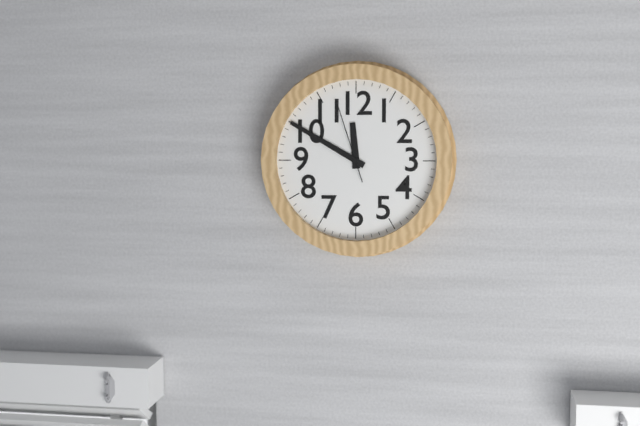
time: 11:50:57
